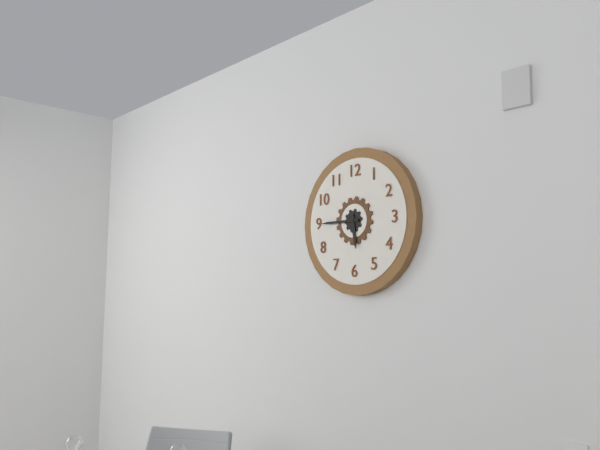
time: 5:45
